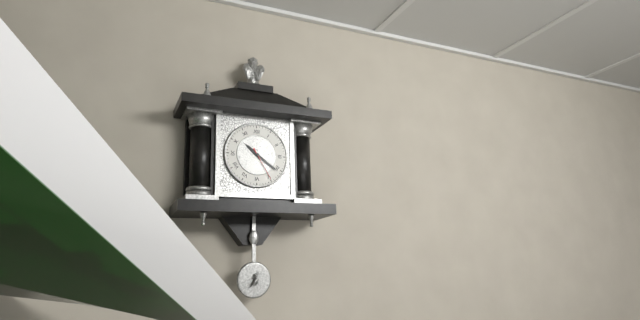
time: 10:21
